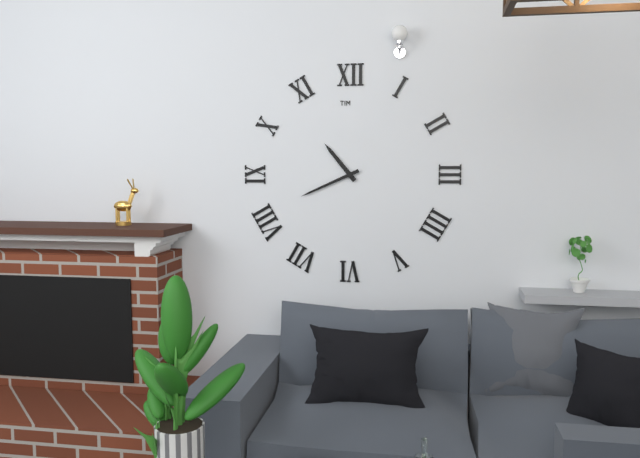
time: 10:41
